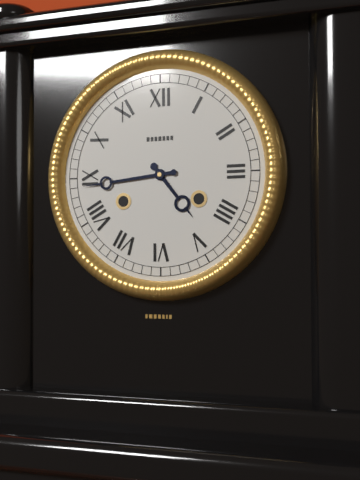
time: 4:44
